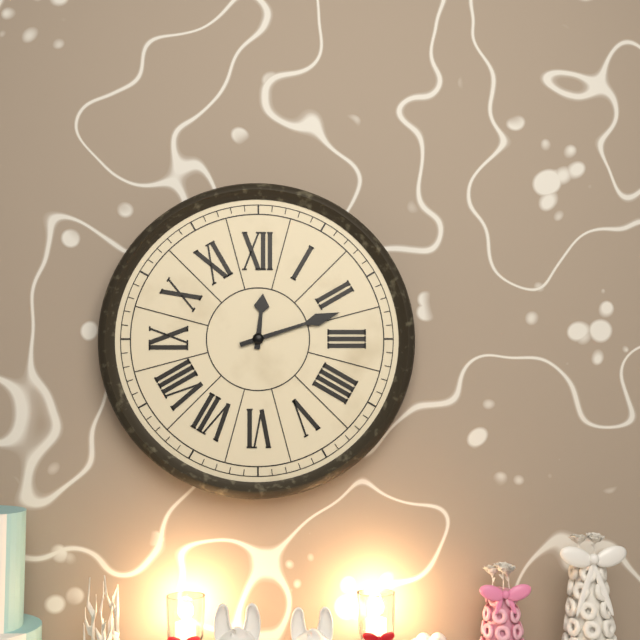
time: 12:12
